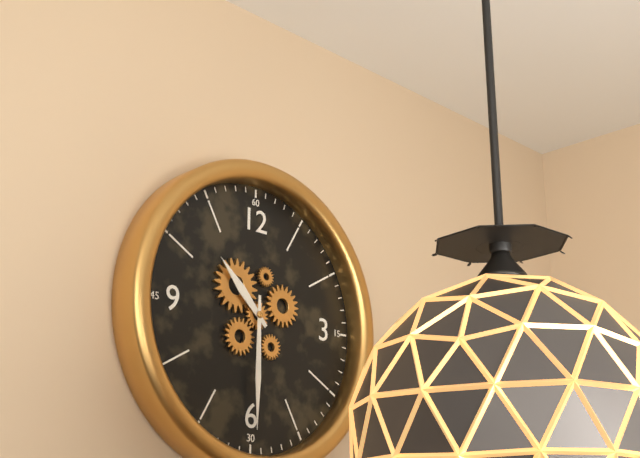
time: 10:30
